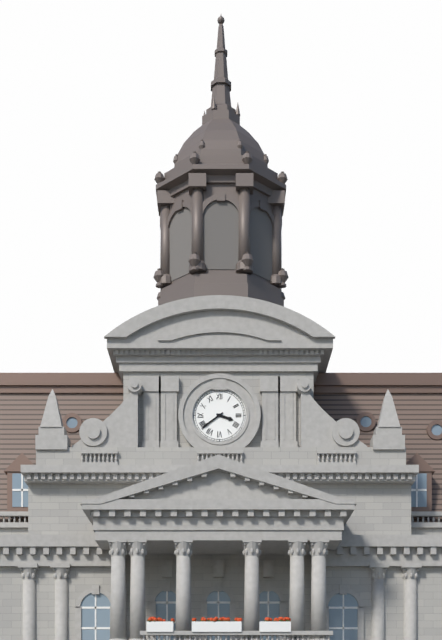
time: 3:39
